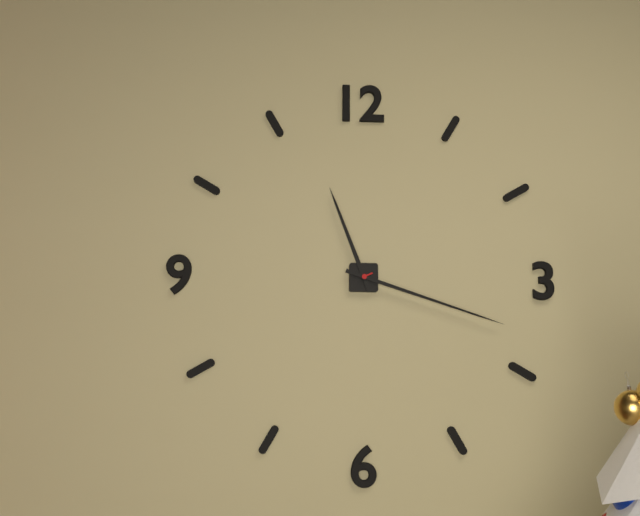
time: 11:18
